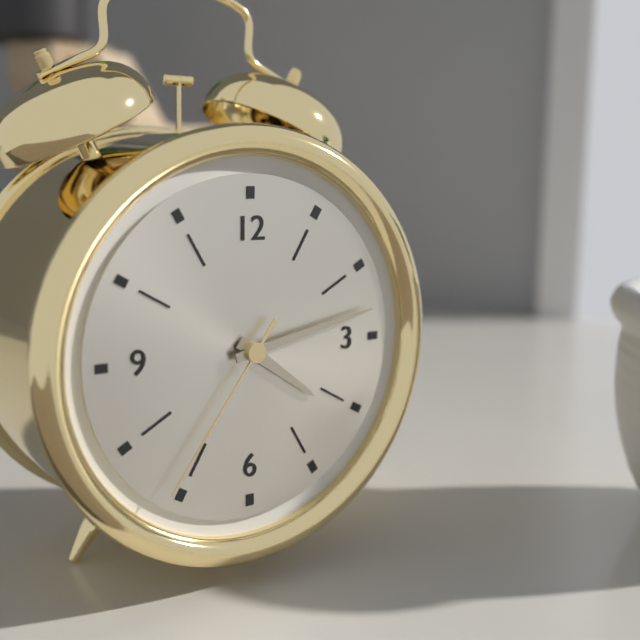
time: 4:13:36
